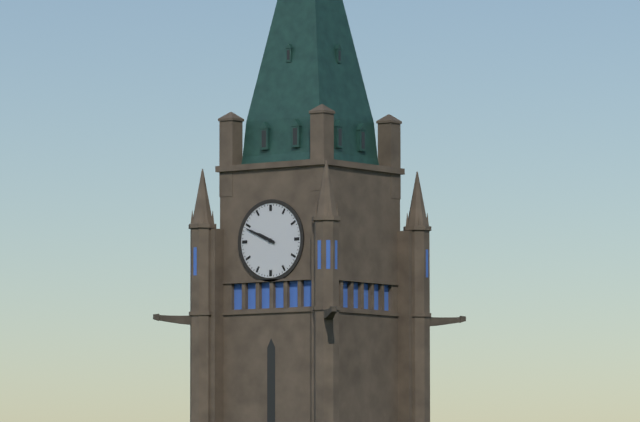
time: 9:49
